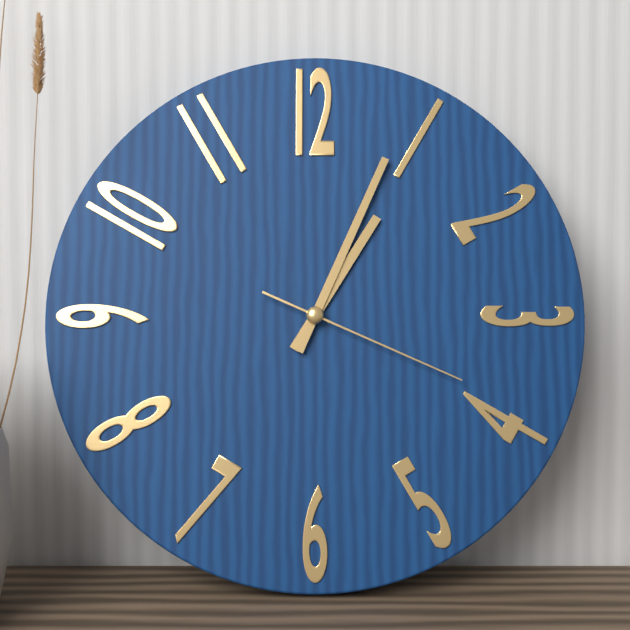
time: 1:04:19
